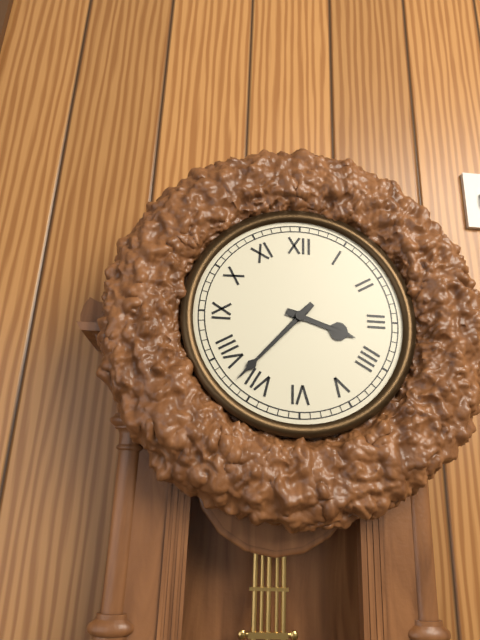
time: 3:37
